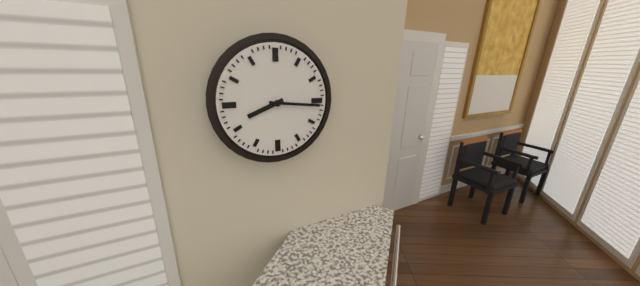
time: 8:16
